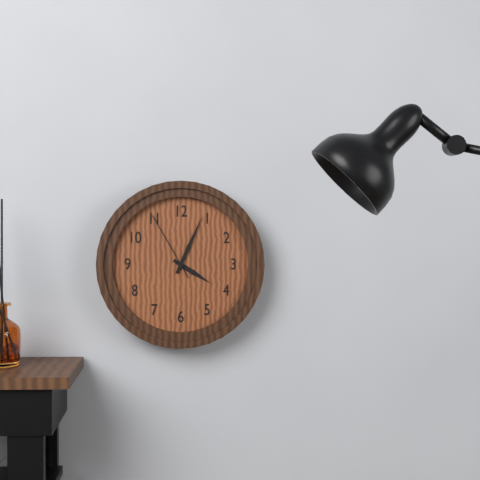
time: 4:04:55
